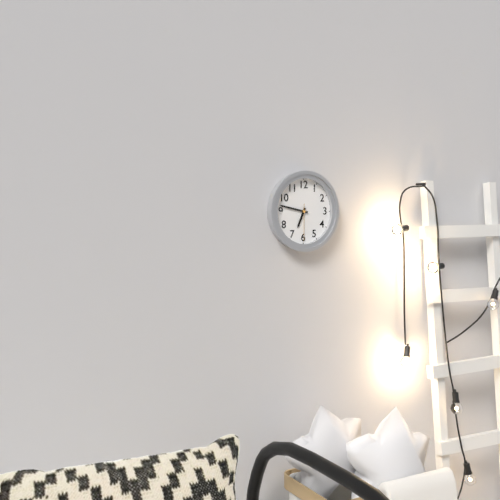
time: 6:47
